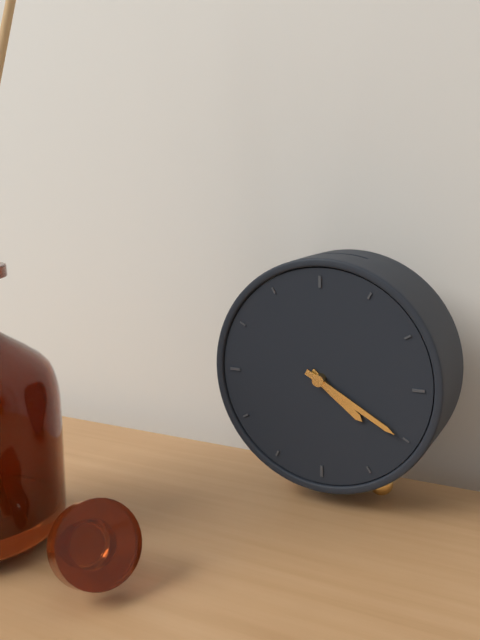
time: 4:20
